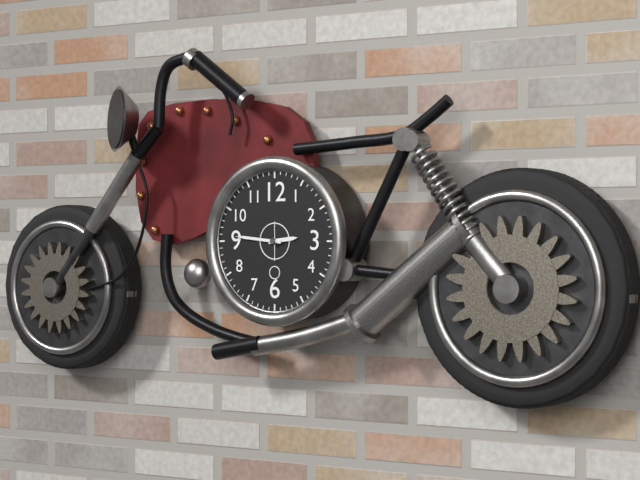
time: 2:46
